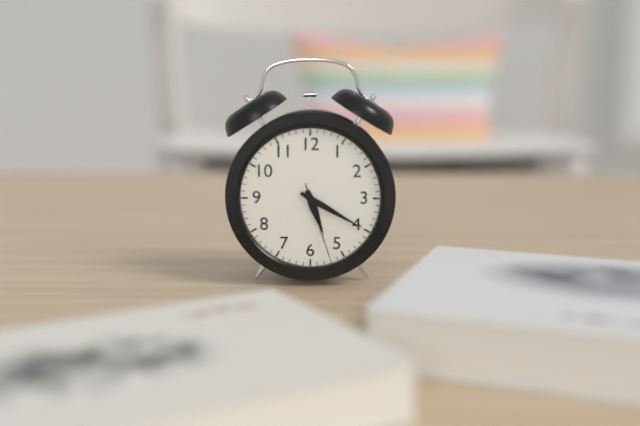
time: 5:20:27
